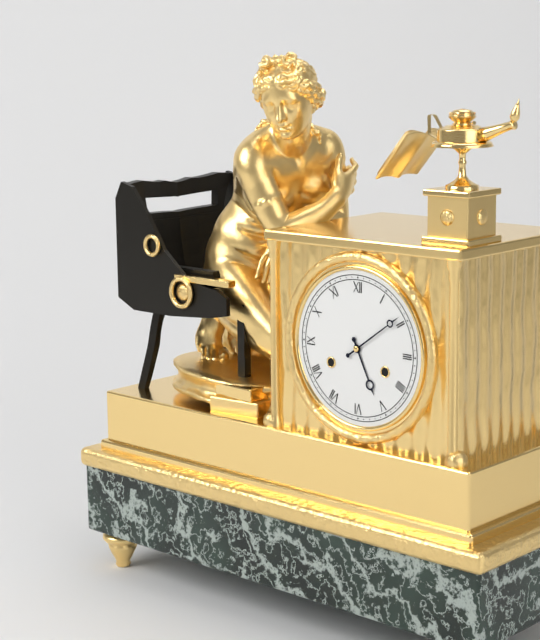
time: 5:09
